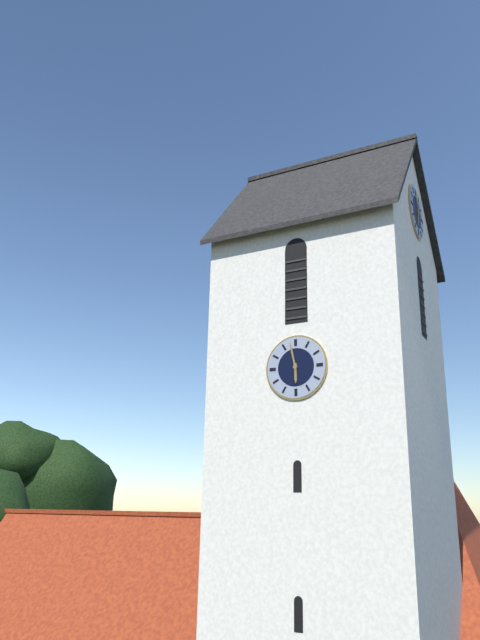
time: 5:58
